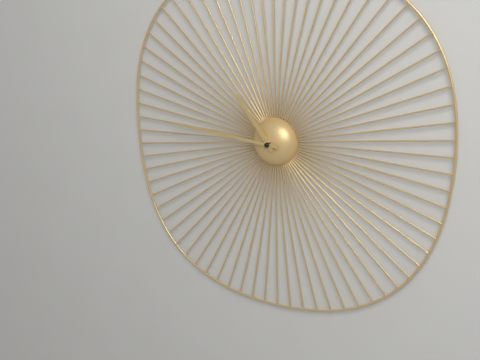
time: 10:46
